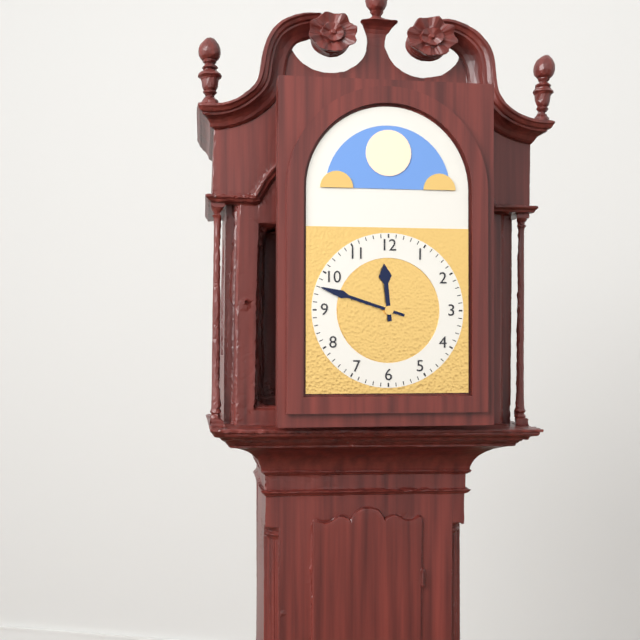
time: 11:48
